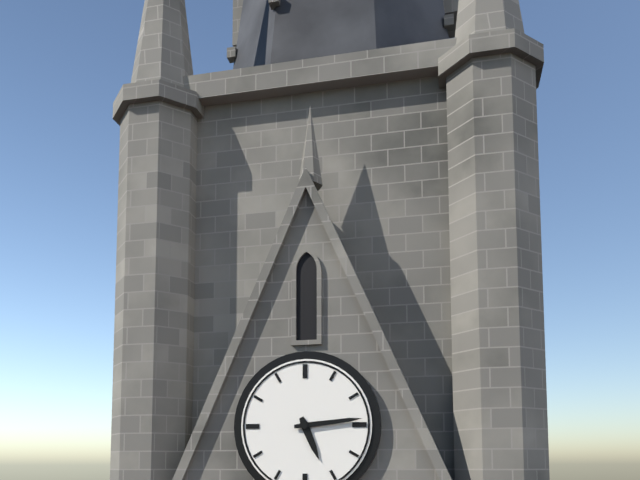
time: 5:14
